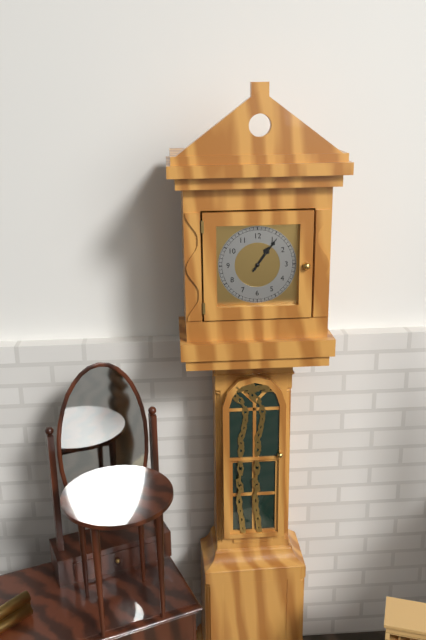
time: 1:06
